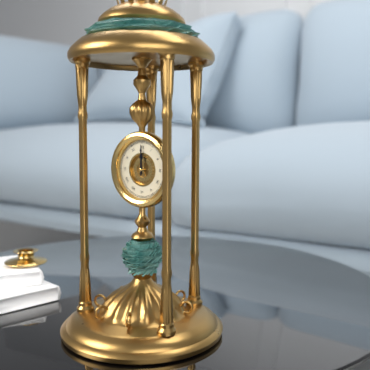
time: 12:00
